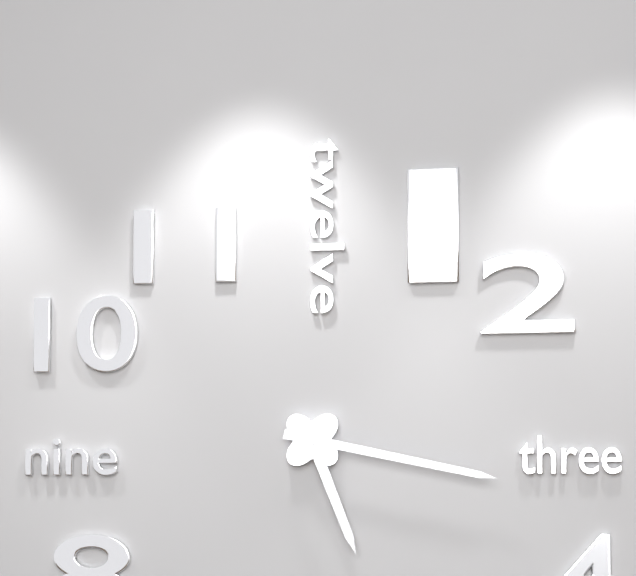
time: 5:17
